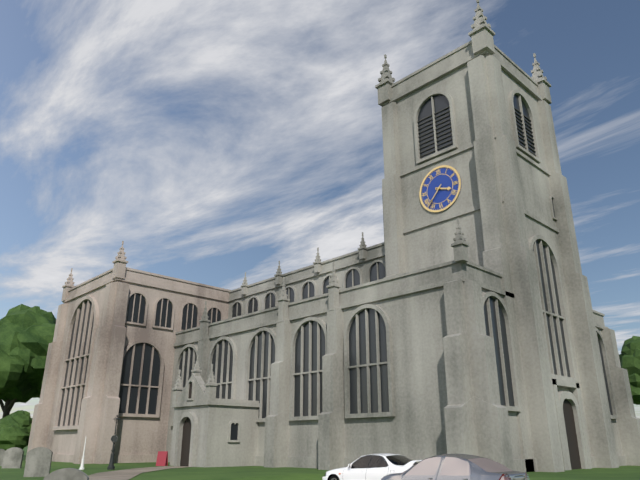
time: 3:37
